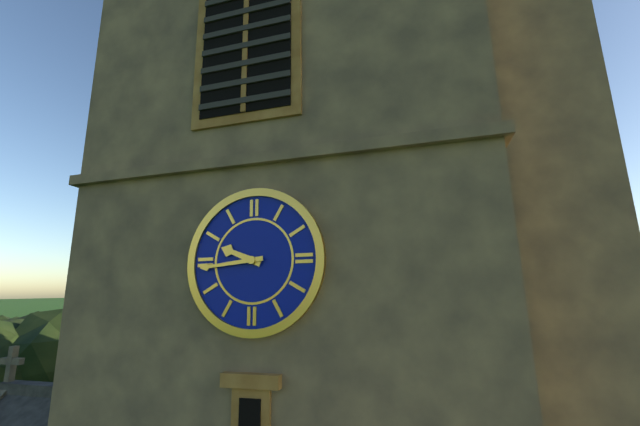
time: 9:44
